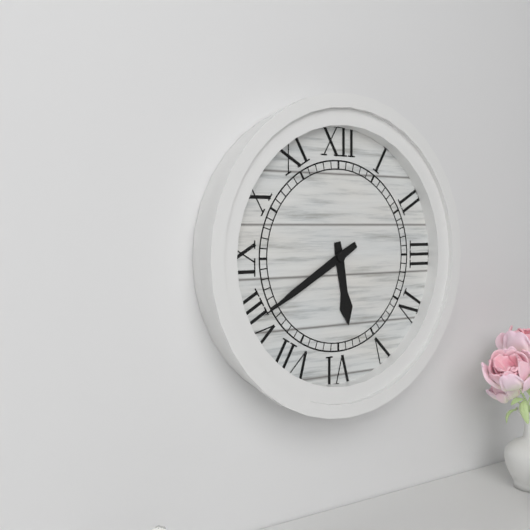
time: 5:40
